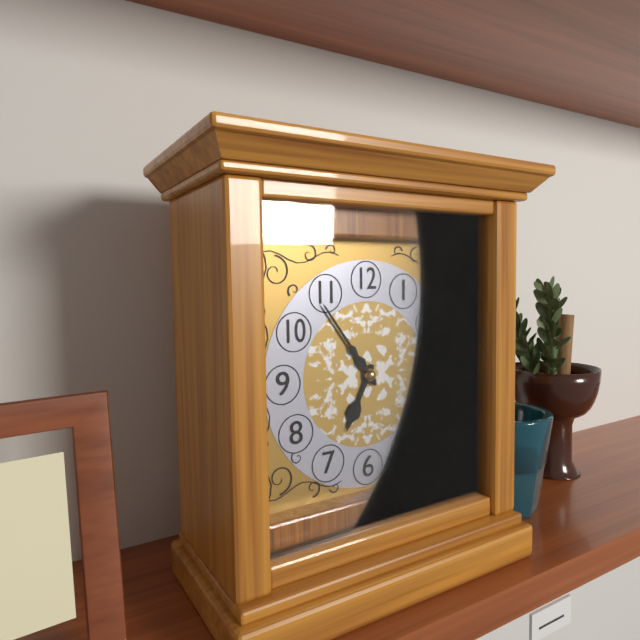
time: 6:54
